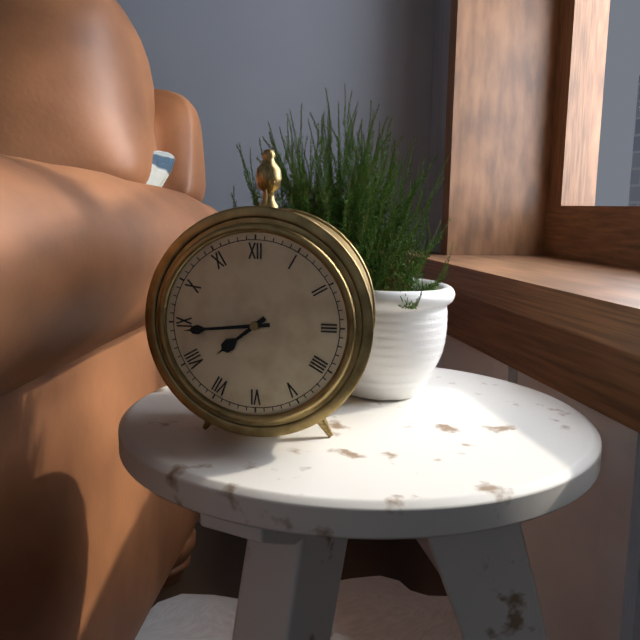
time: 7:44
